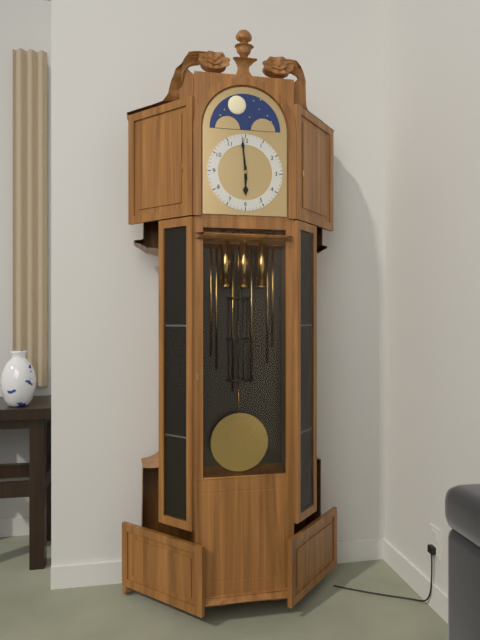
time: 5:59
